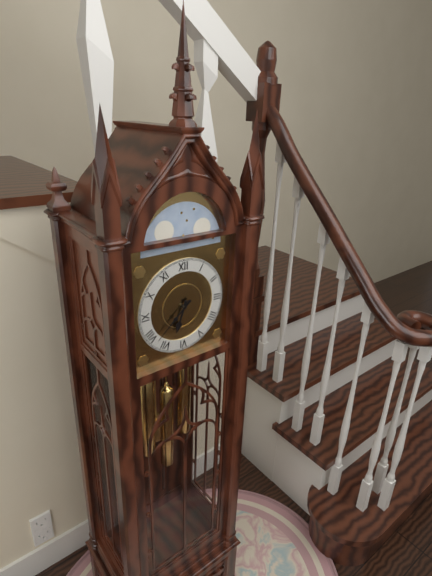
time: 6:38
